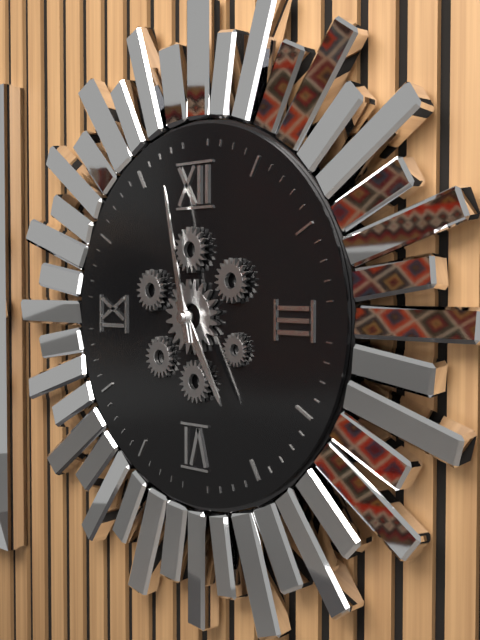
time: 4:58
